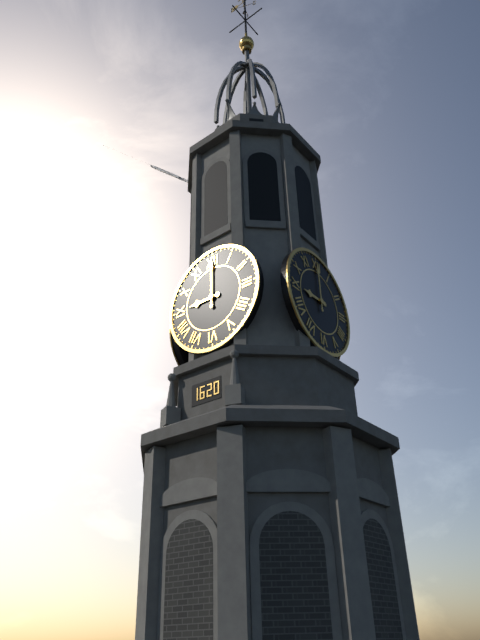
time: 9:00
